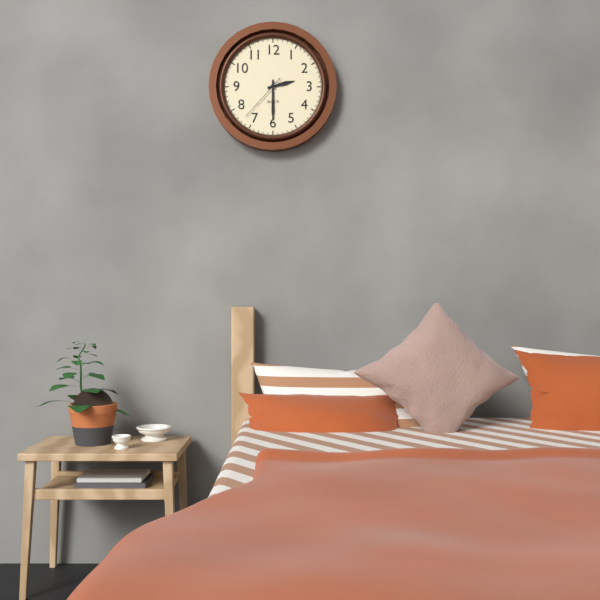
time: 2:30:37
